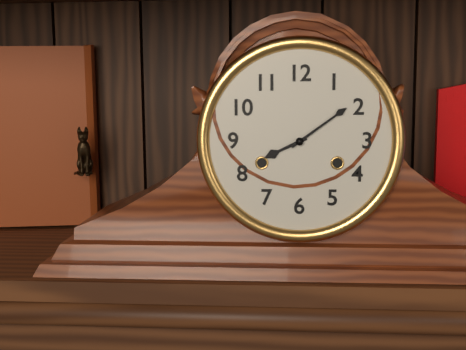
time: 8:09
